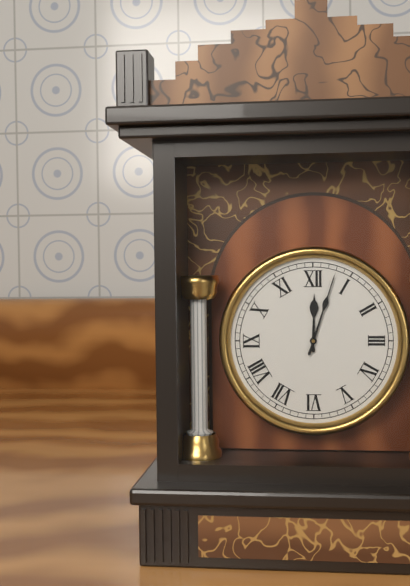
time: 12:03
